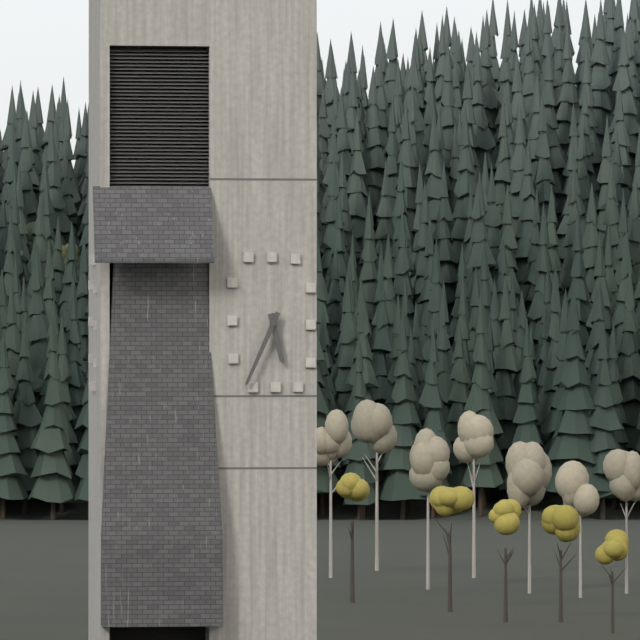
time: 5:34
